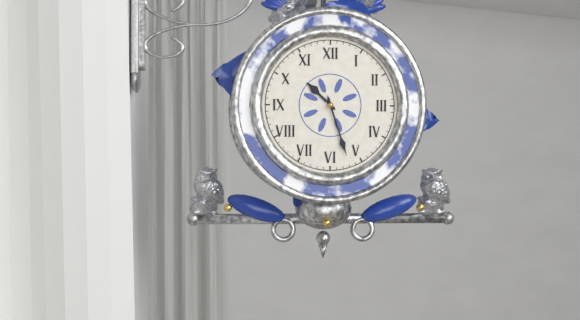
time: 10:27
